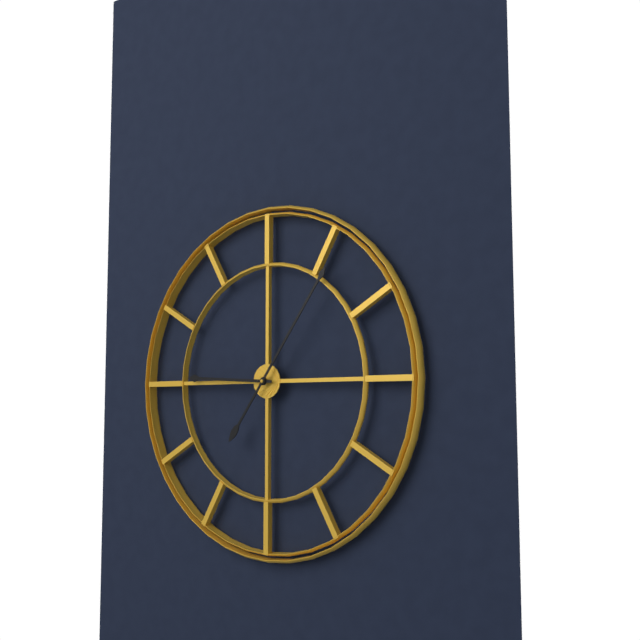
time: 9:06
